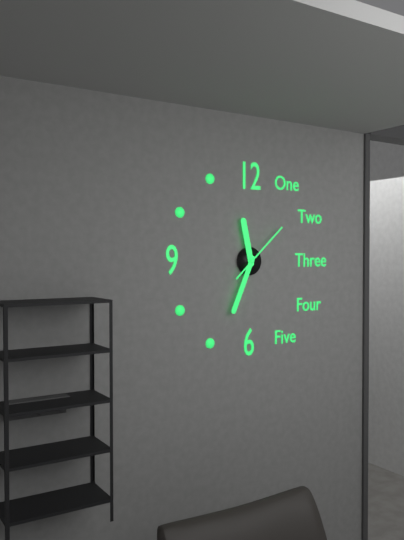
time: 11:34:08
